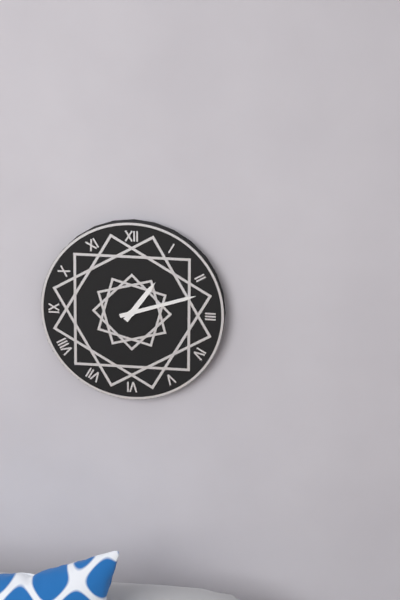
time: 1:12
